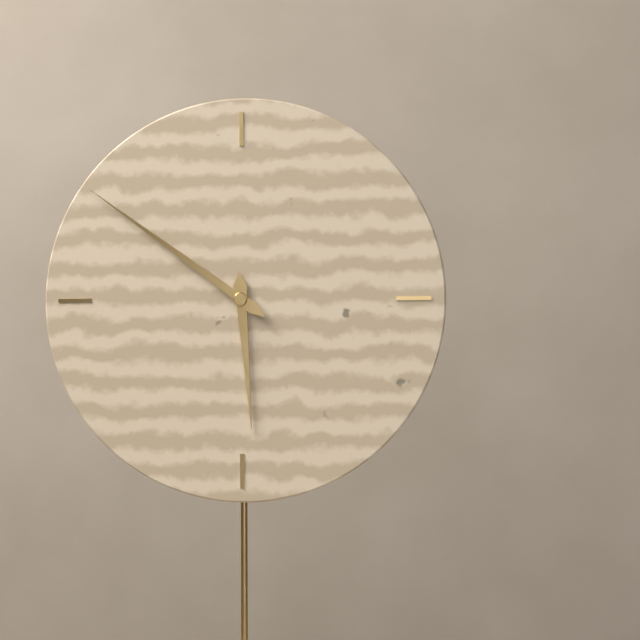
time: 5:51
